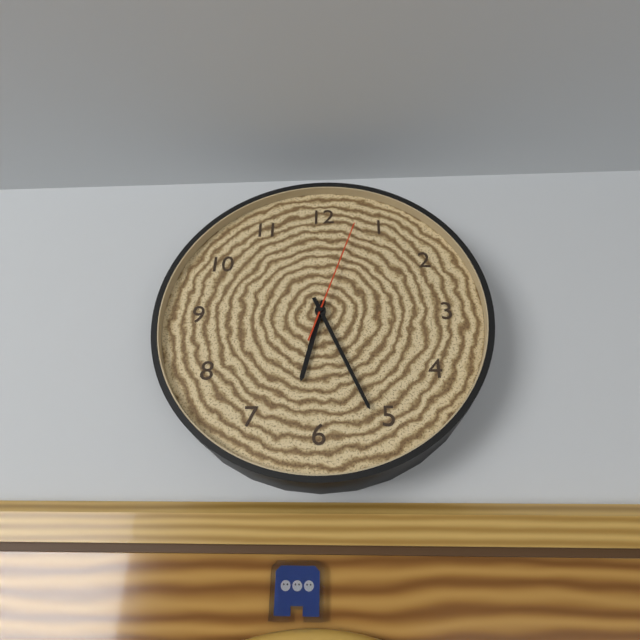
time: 6:26:03
